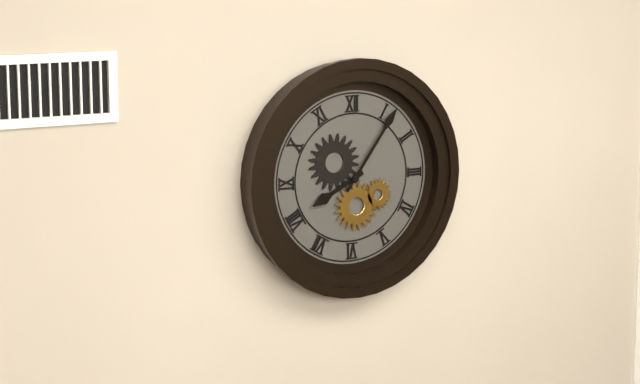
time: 8:06
